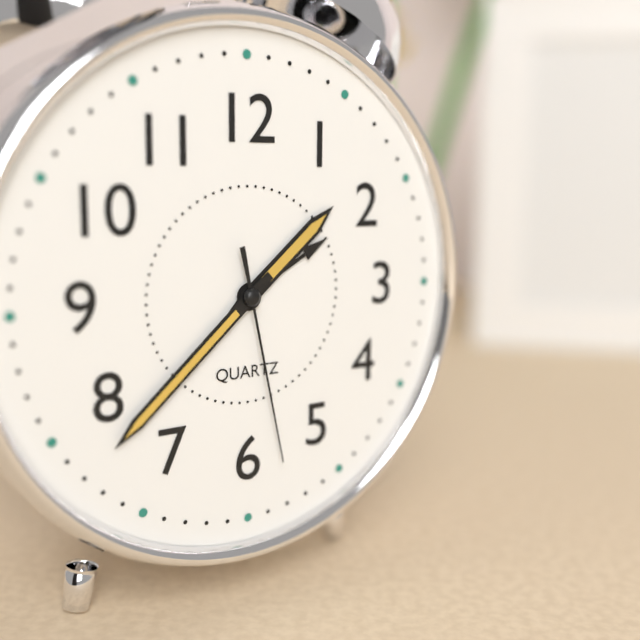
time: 1:38:28
